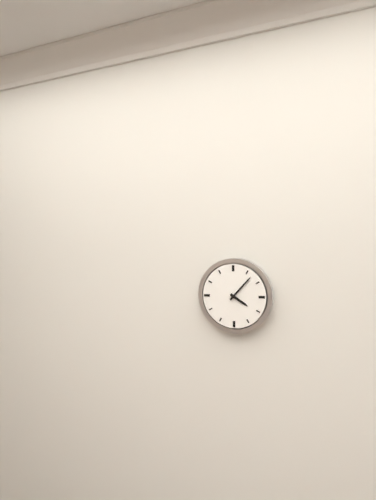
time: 4:07
